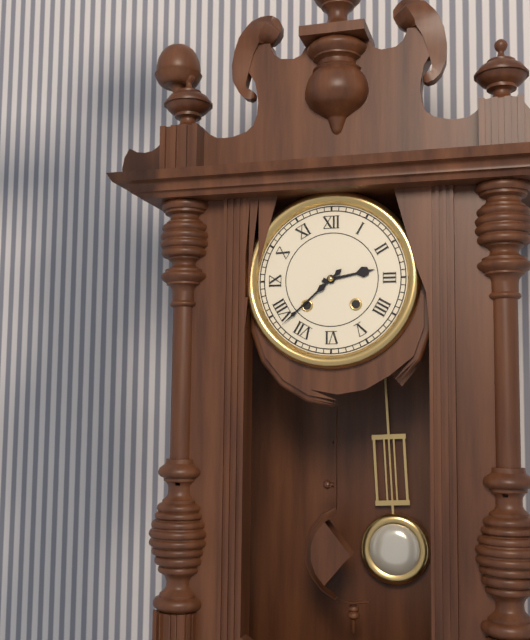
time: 2:38
